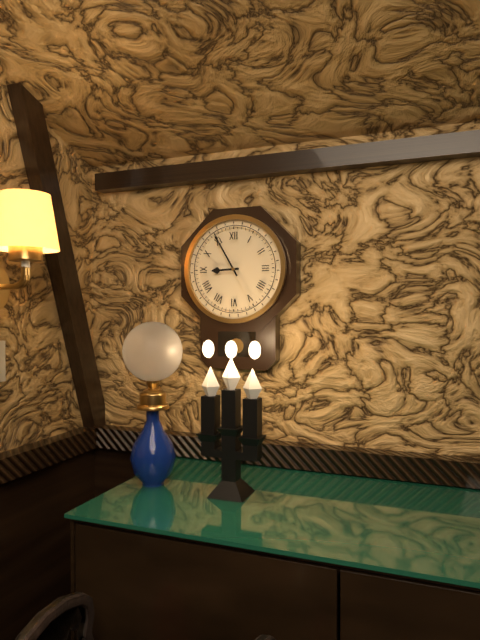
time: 8:55
